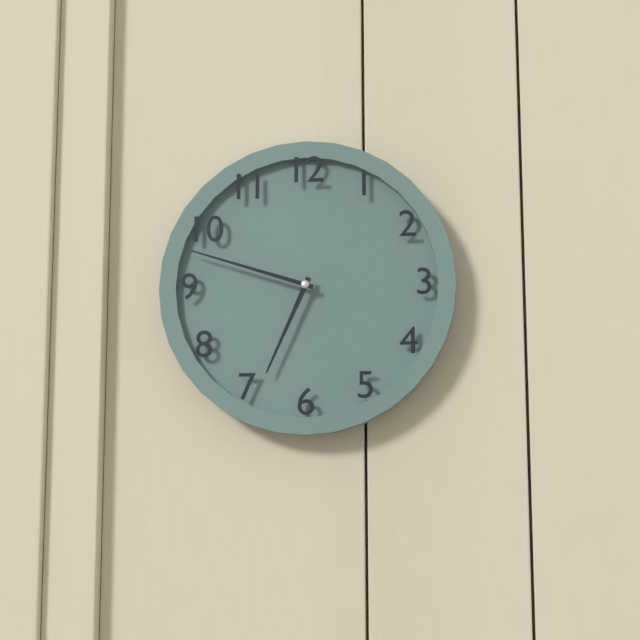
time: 6:48
